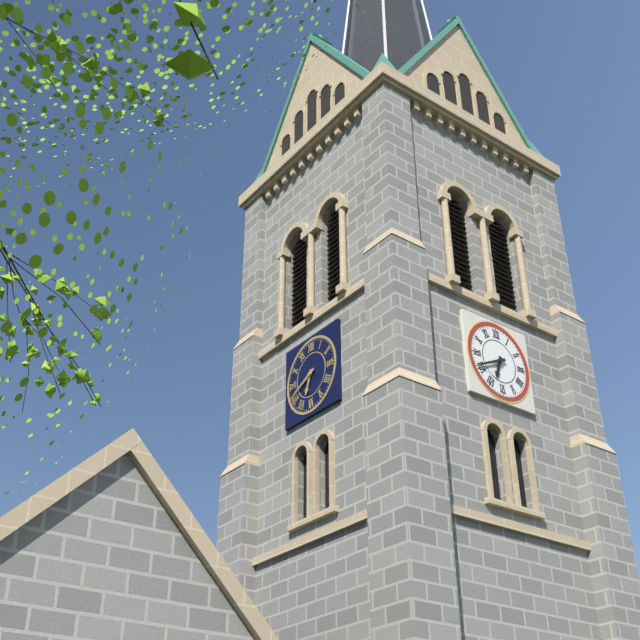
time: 6:41
